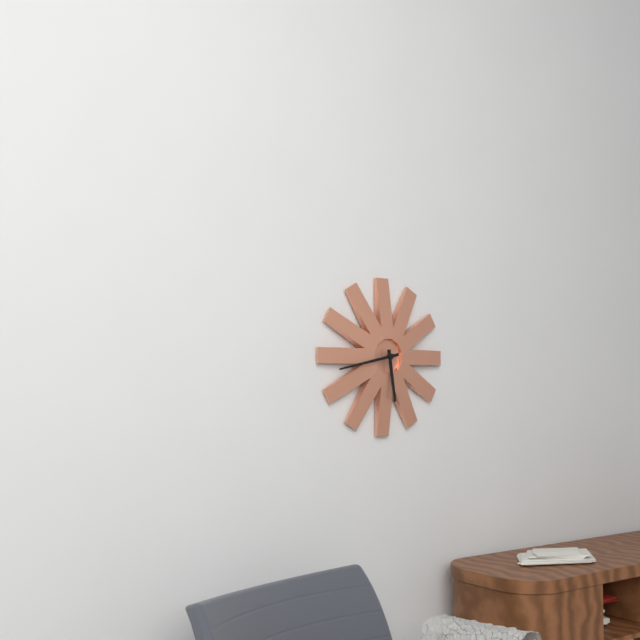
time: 5:43
